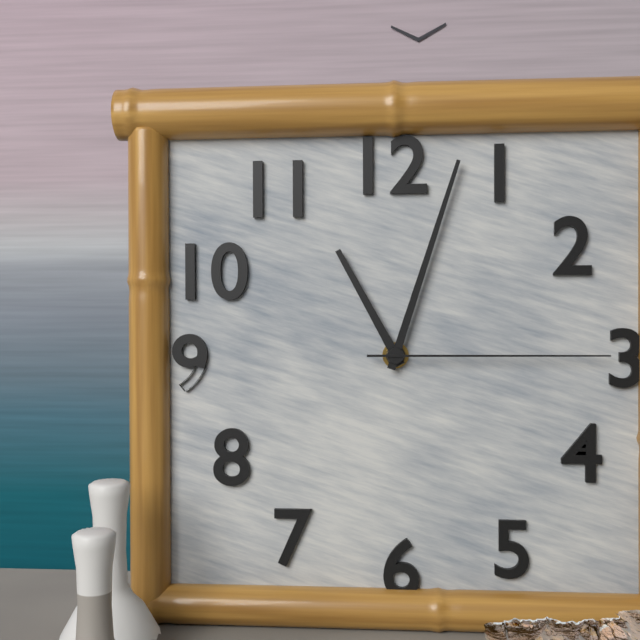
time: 11:03:15
